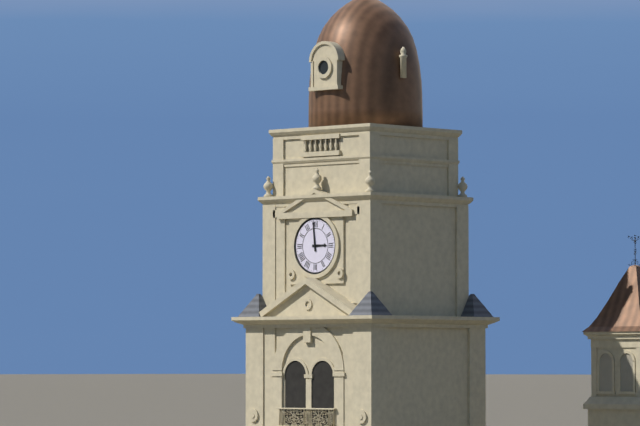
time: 2:59
